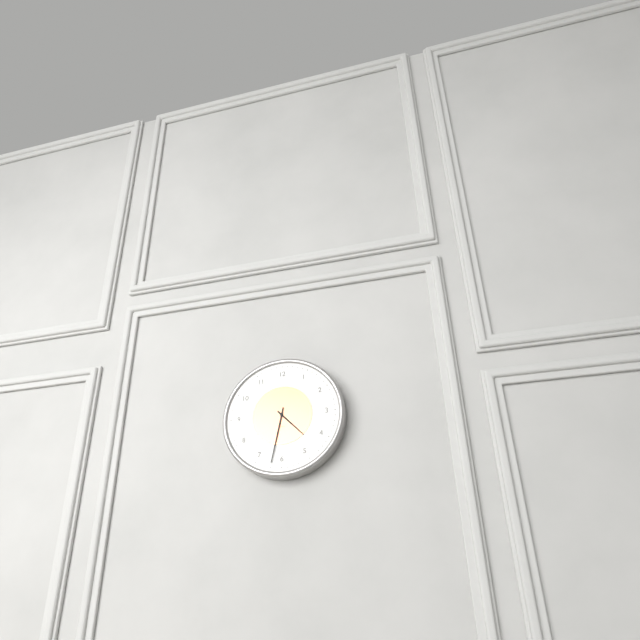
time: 4:32
